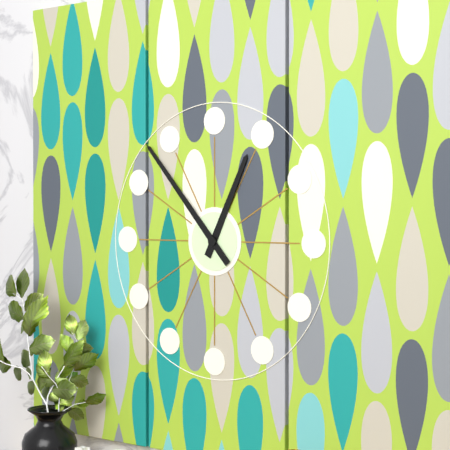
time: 12:53
